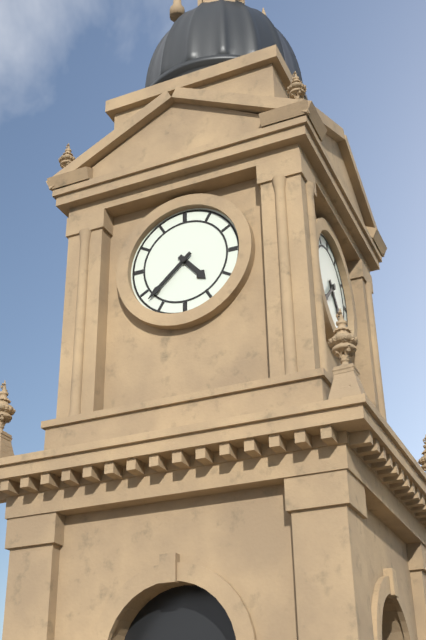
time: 4:38
